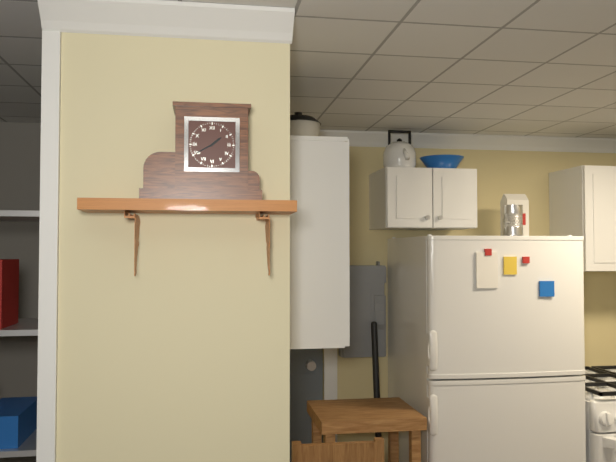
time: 1:40
